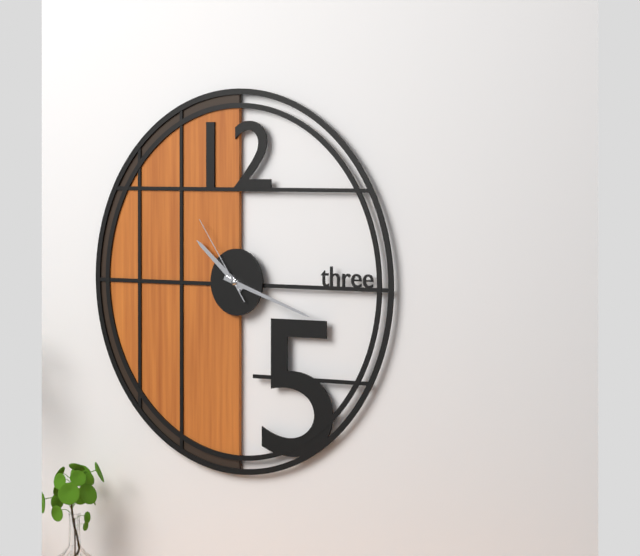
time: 10:18:54
